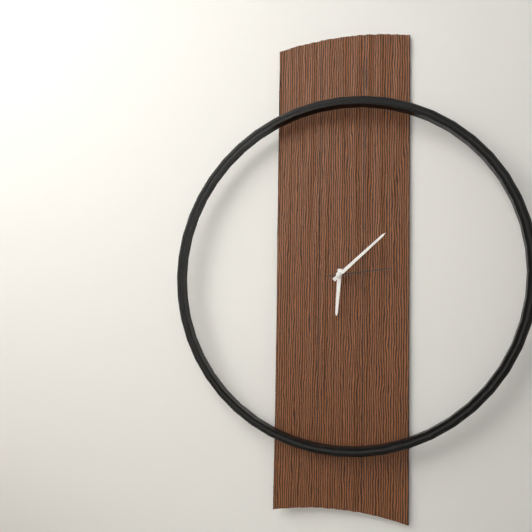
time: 6:08:14
